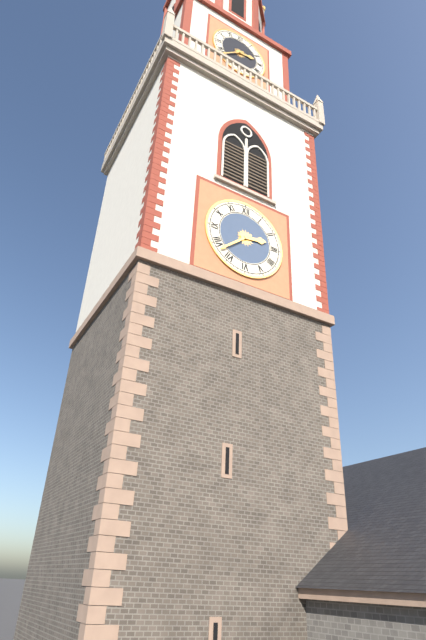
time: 2:38
